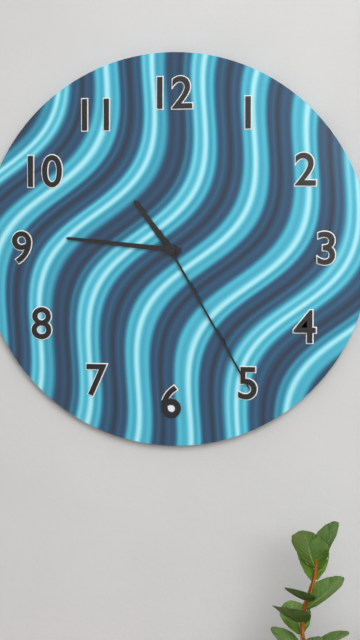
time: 10:46:25
